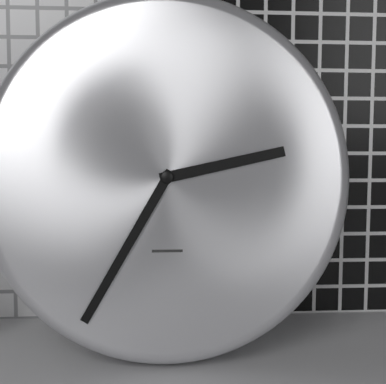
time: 2:35
